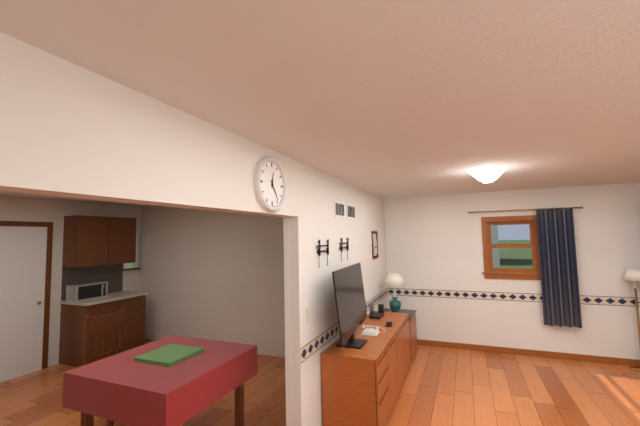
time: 12:24
